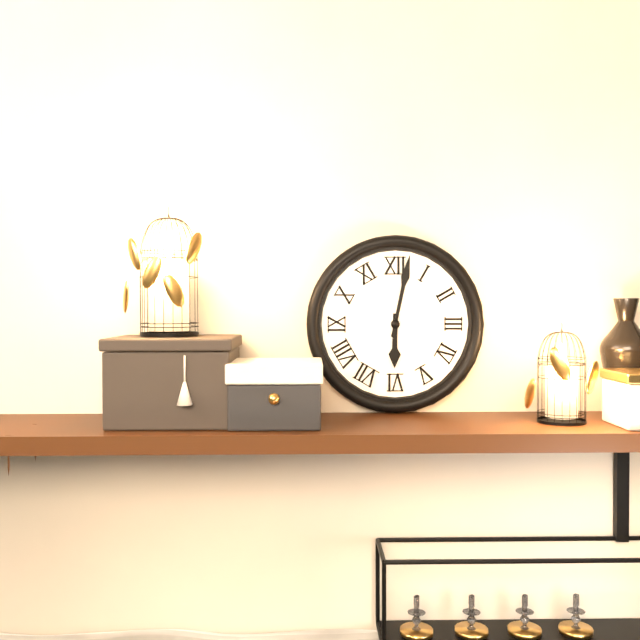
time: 6:02
